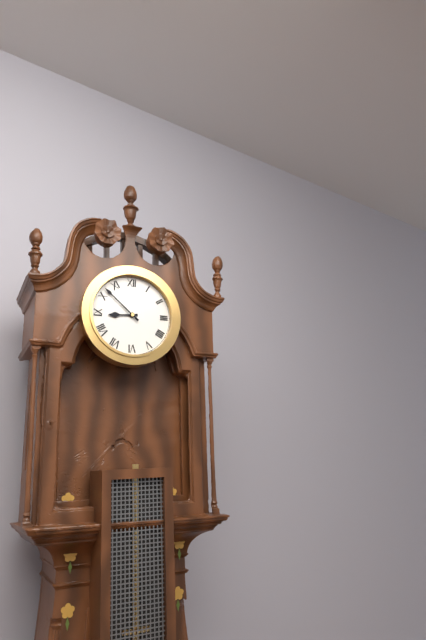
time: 8:52
